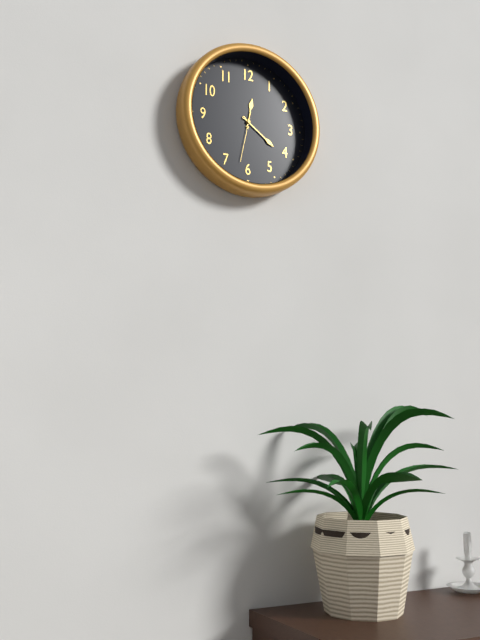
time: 12:21
